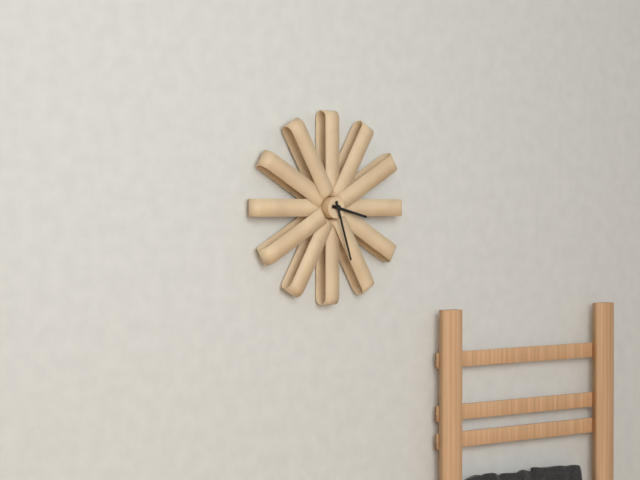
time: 3:27
